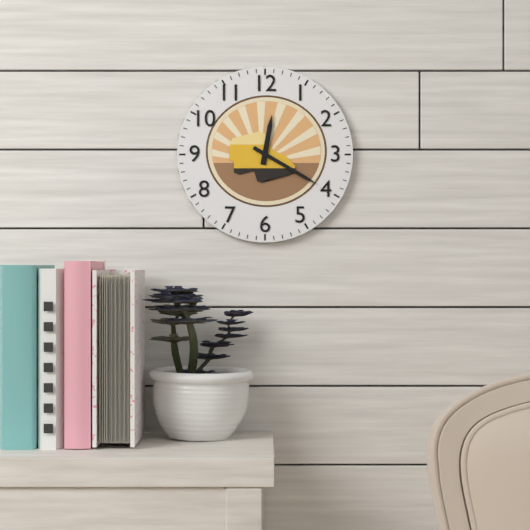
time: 12:20
